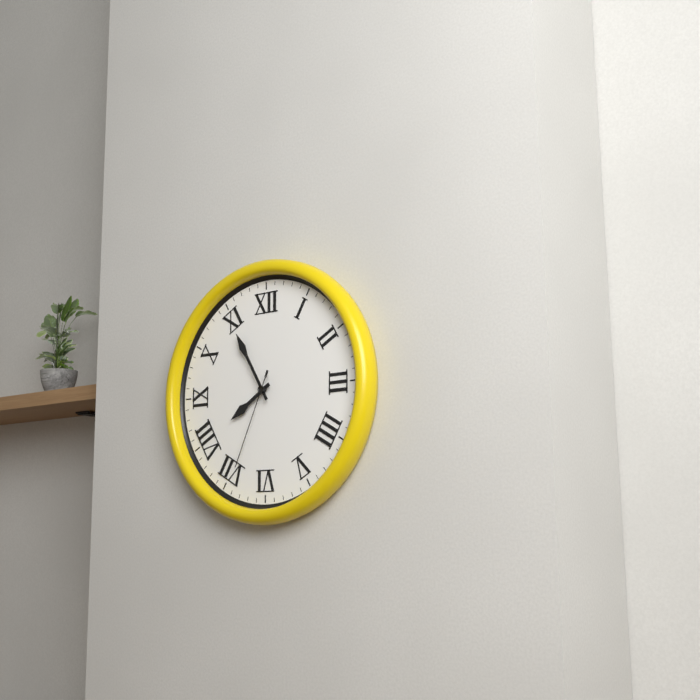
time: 7:55:34
